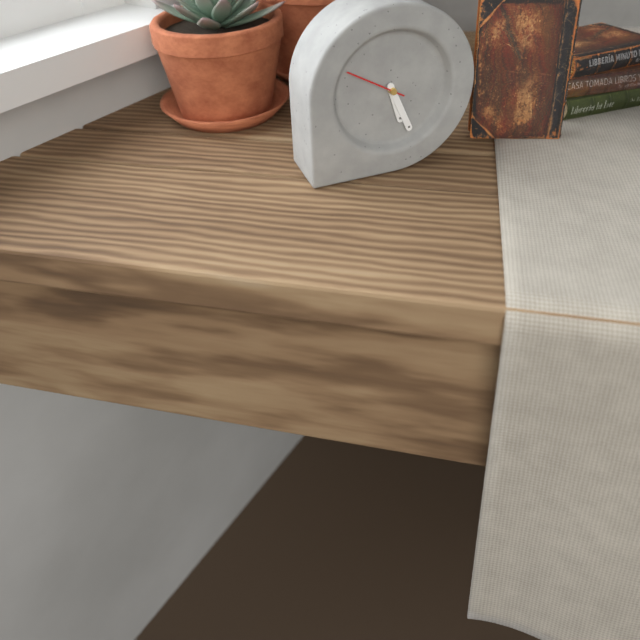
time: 5:26
